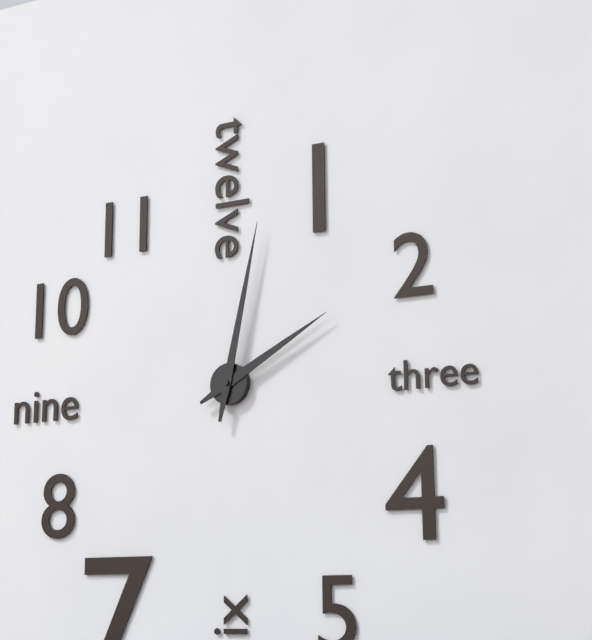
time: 2:02
